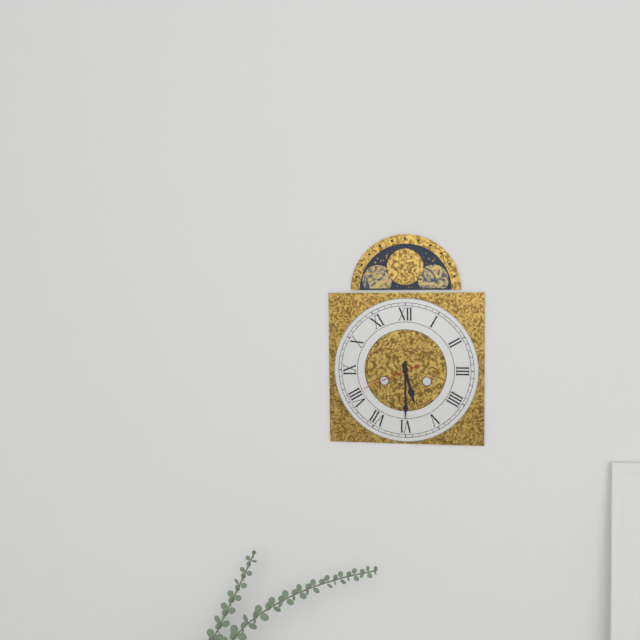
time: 5:30:41
